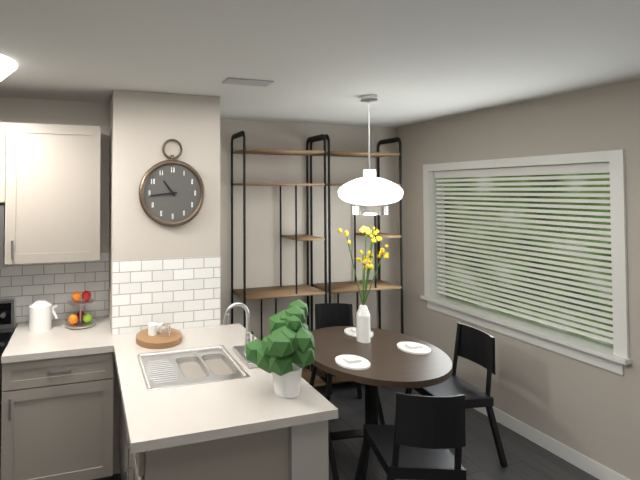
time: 10:44
